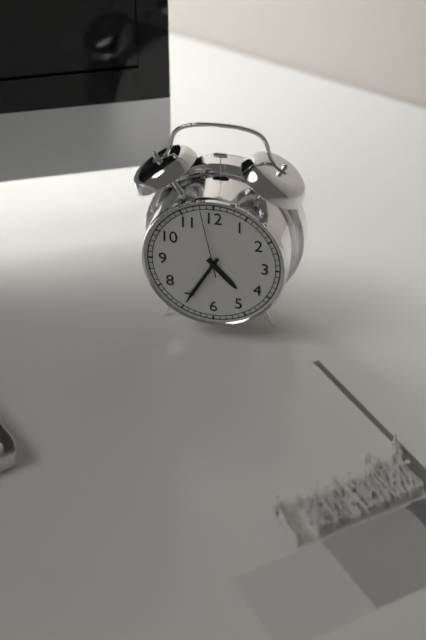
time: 4:35:58
